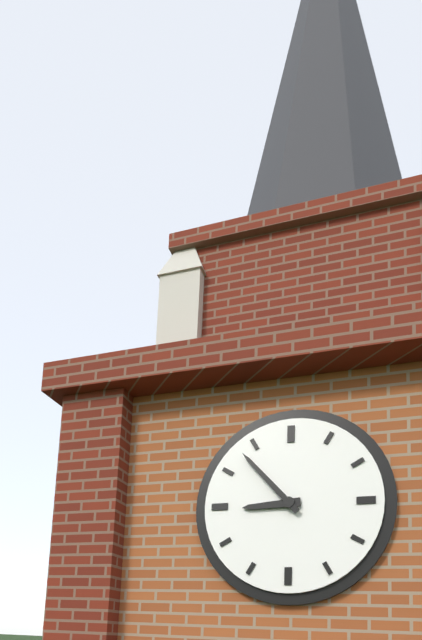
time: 8:53
